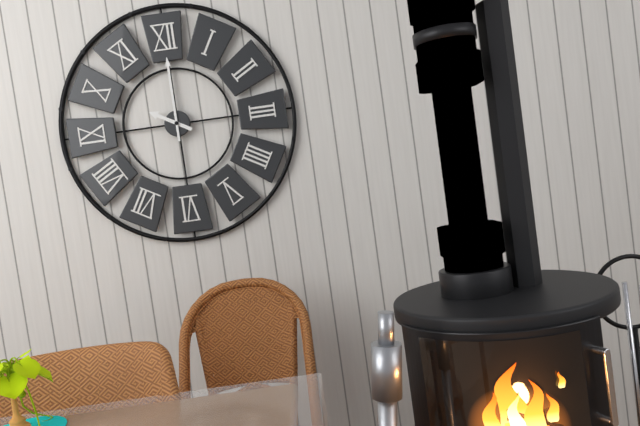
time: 10:00
